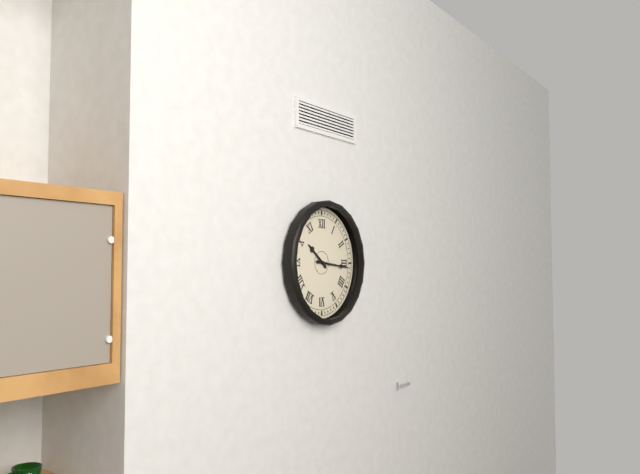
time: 10:16
